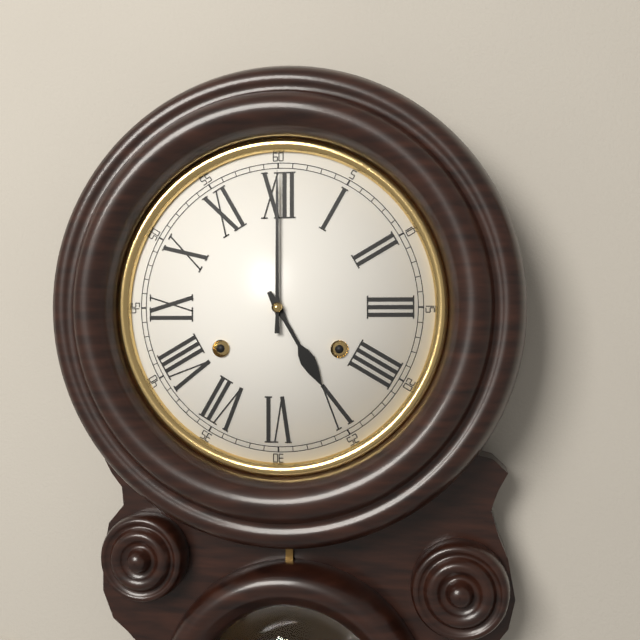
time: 5:00
